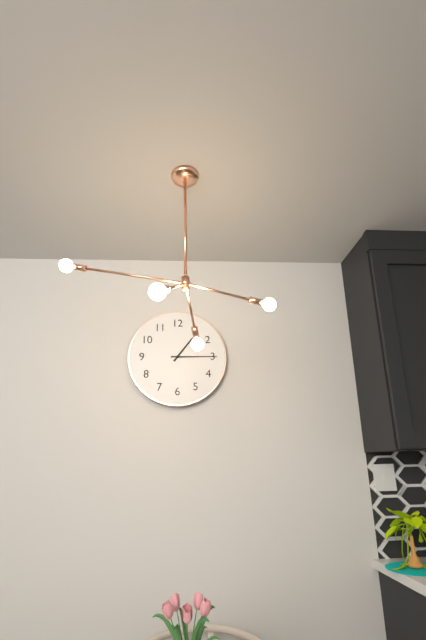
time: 1:15
